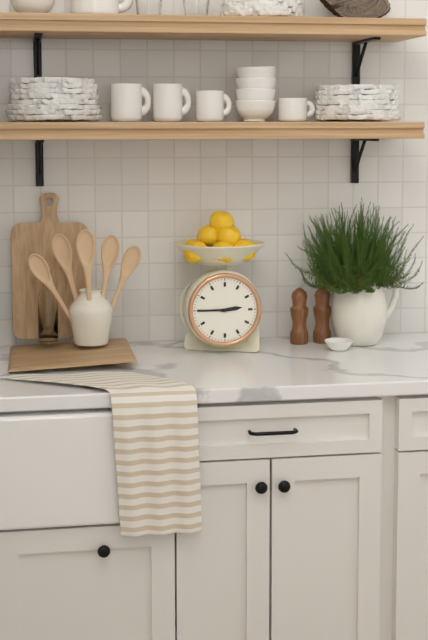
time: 2:45
